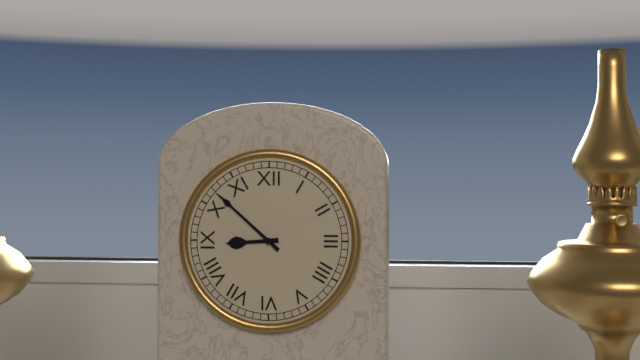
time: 8:52
